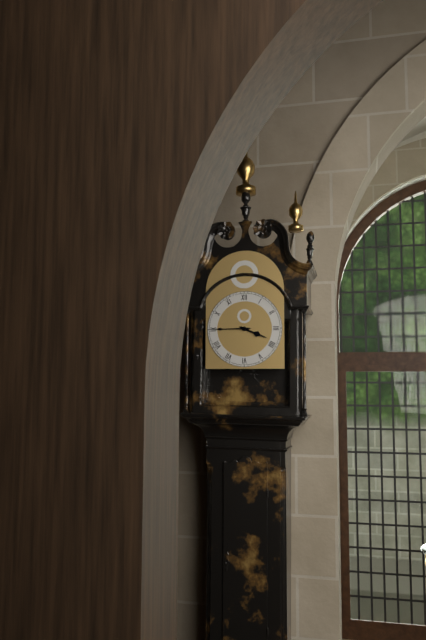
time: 3:45
